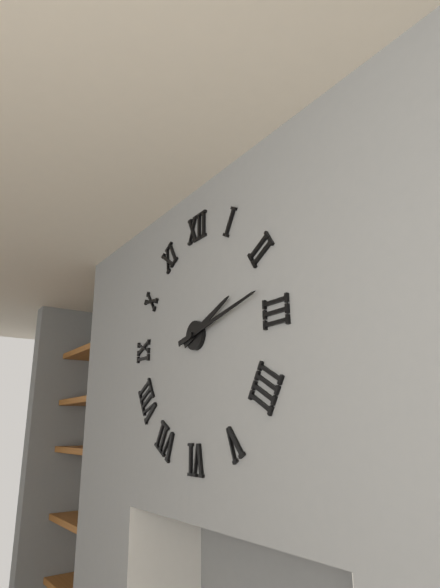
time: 2:13
